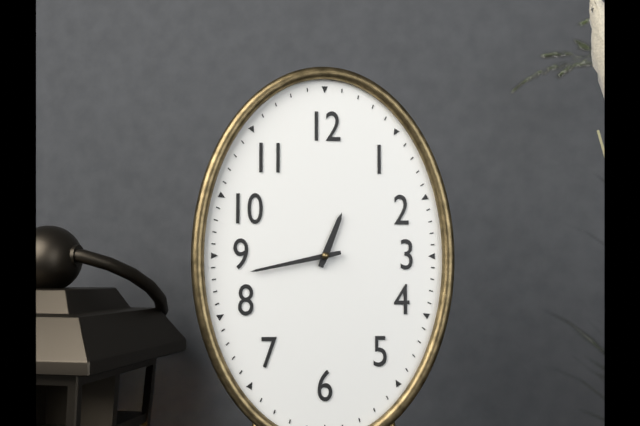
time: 12:43
